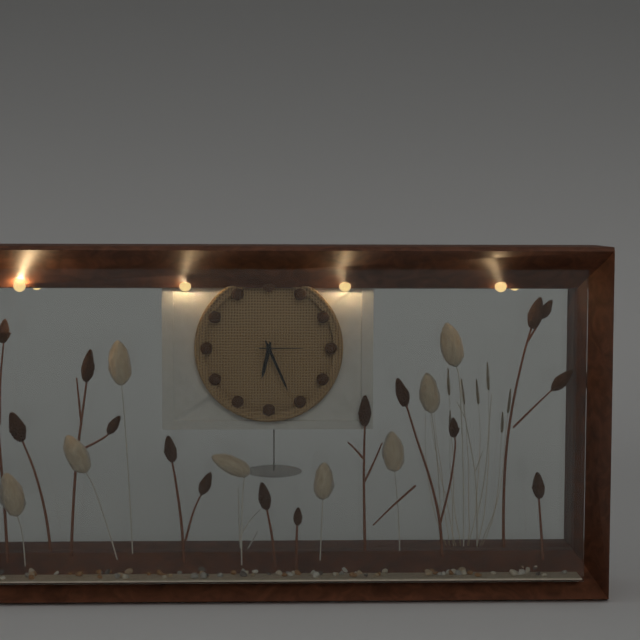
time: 6:26
